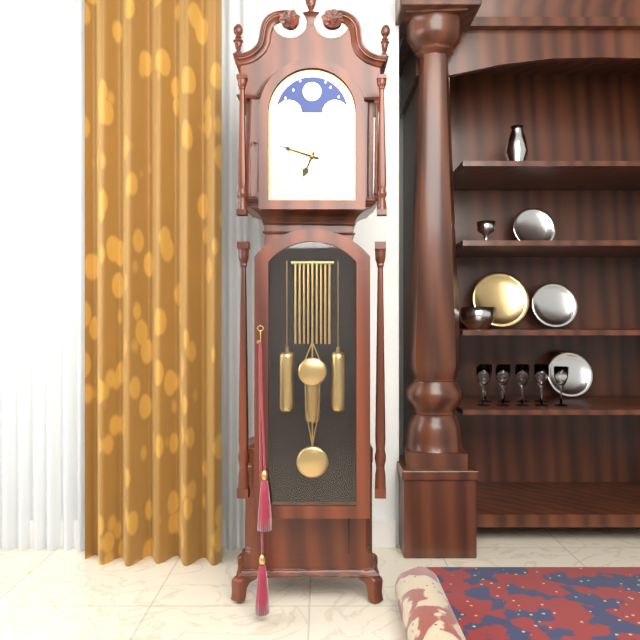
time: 6:48
